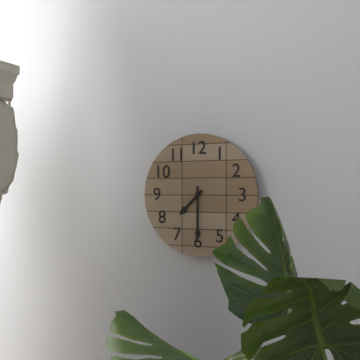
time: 7:30
